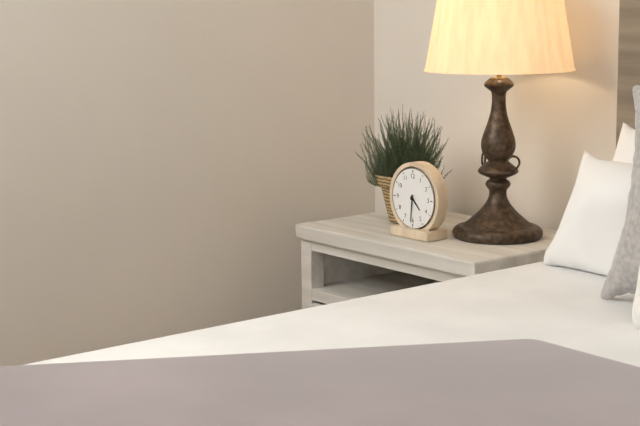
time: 4:31
